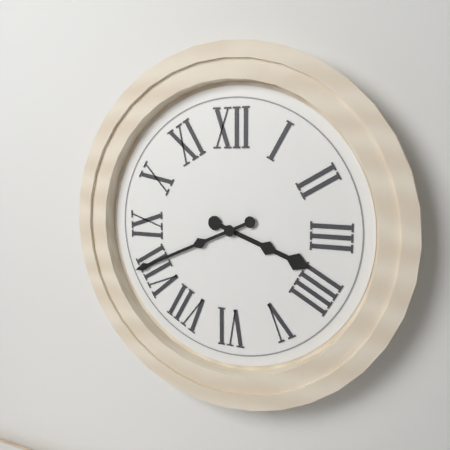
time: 3:41
